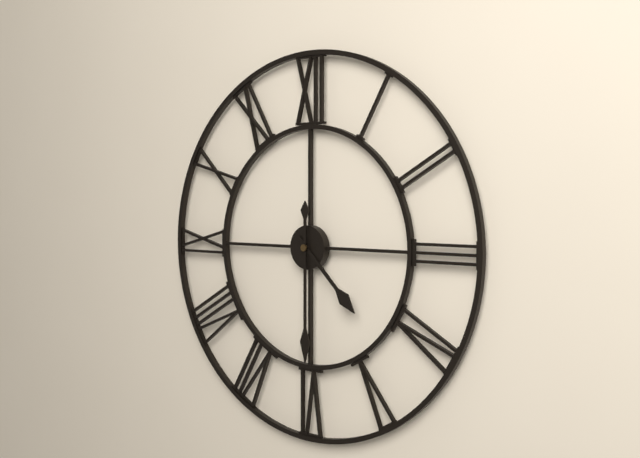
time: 4:30
